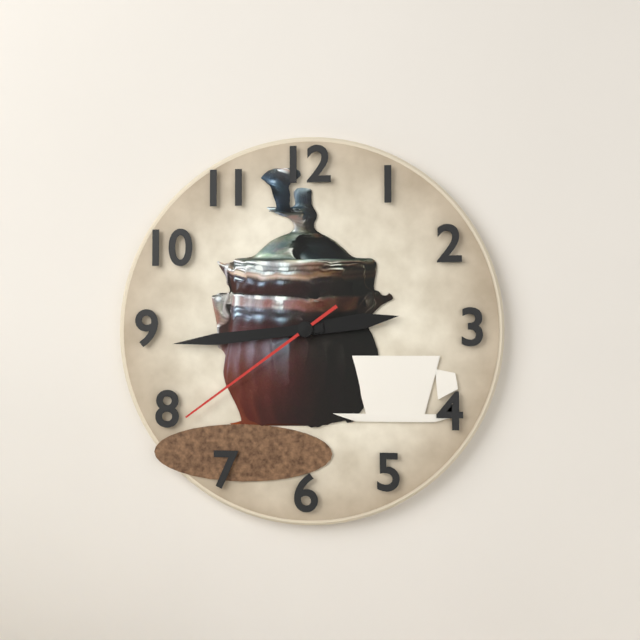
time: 2:44:39
